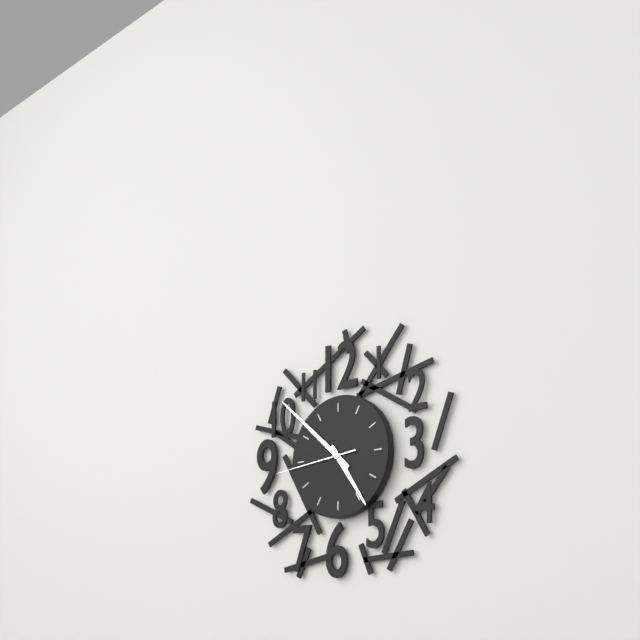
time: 4:52:44
